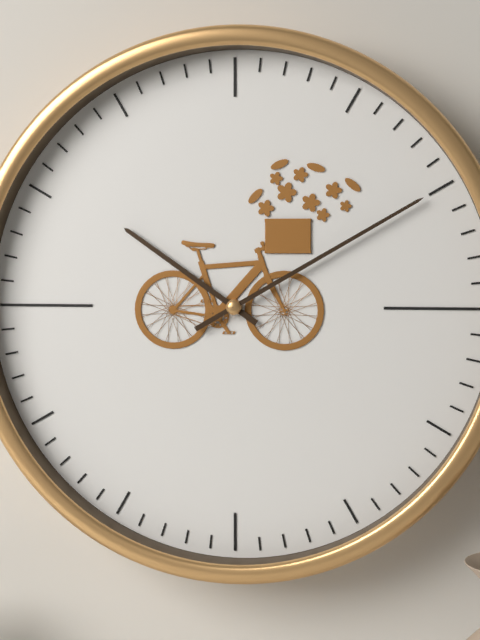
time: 10:10
